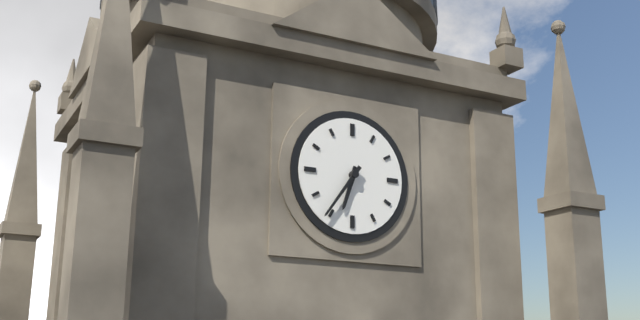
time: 6:36
